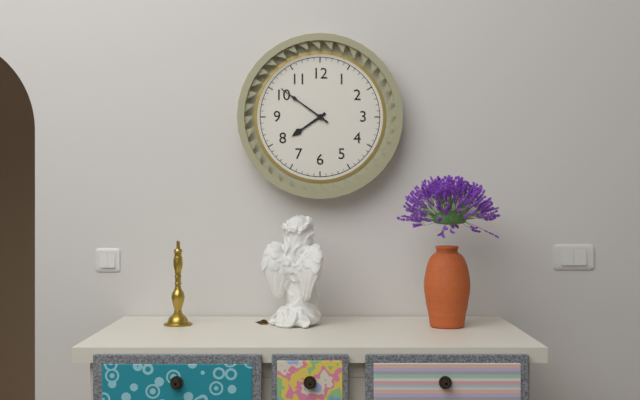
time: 7:51
